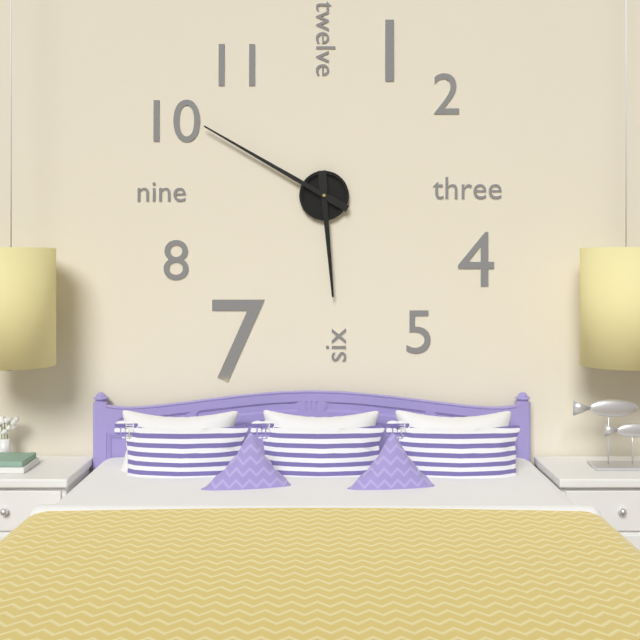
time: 5:50
